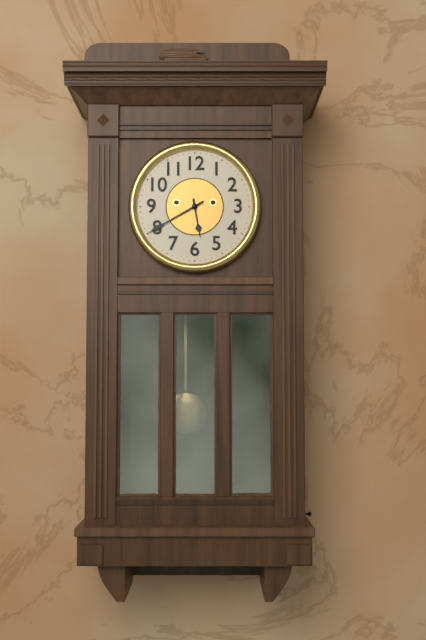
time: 5:40
